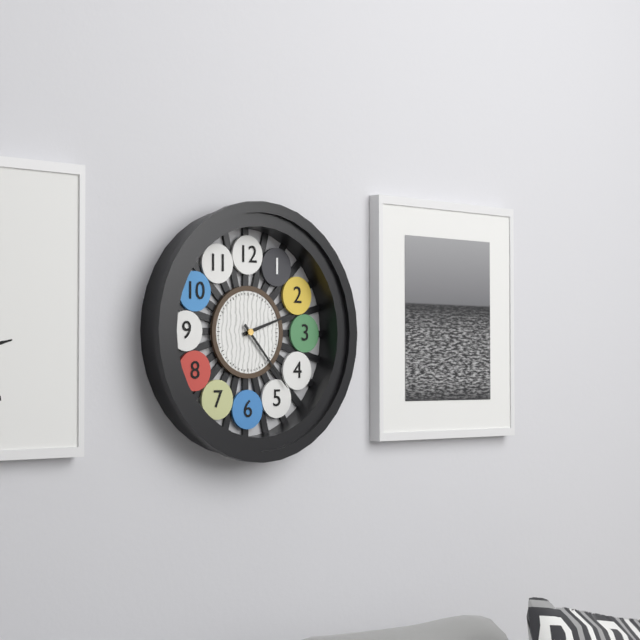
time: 2:23
